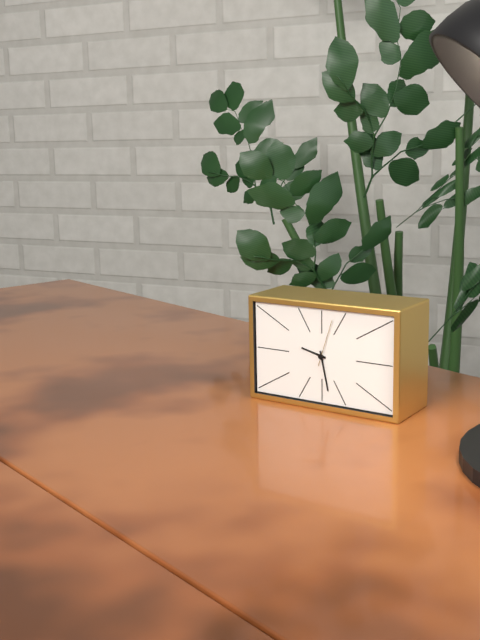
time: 9:28
